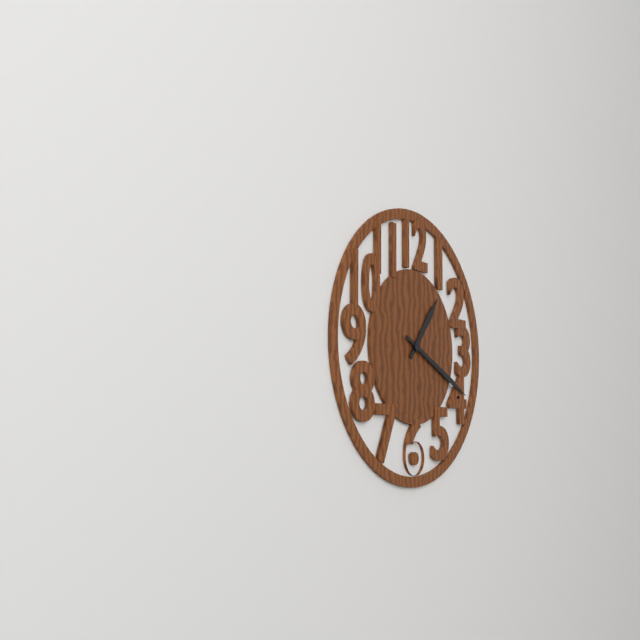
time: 1:19
